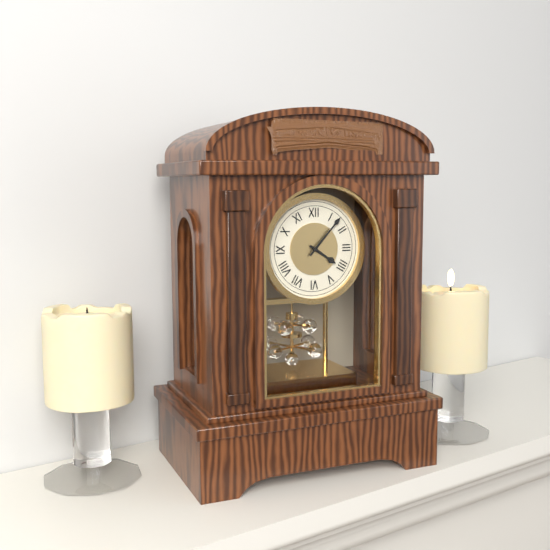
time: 4:07
